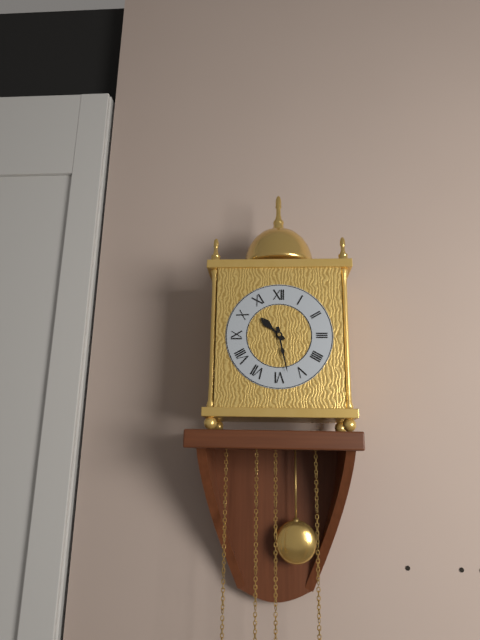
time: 10:28
